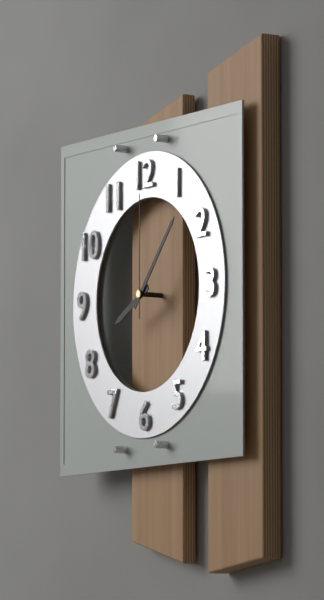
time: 8:07:00
